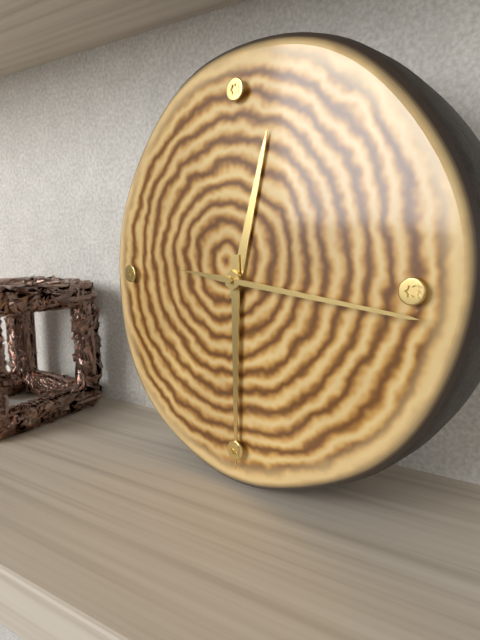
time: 12:30:16
